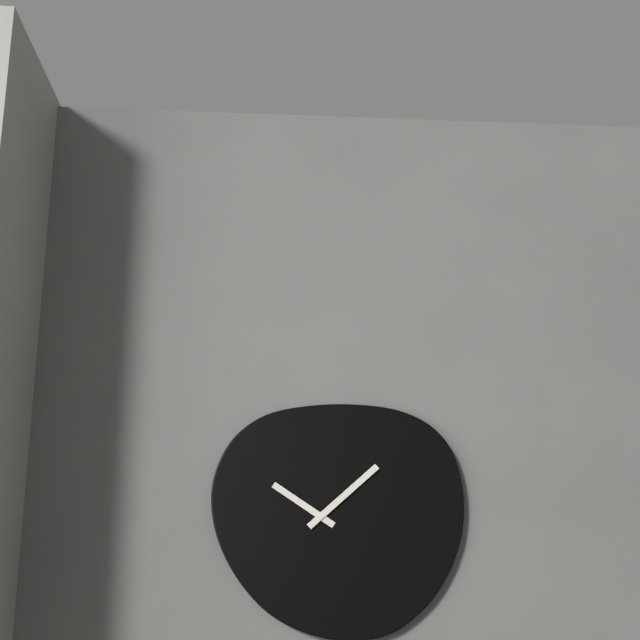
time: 10:08
